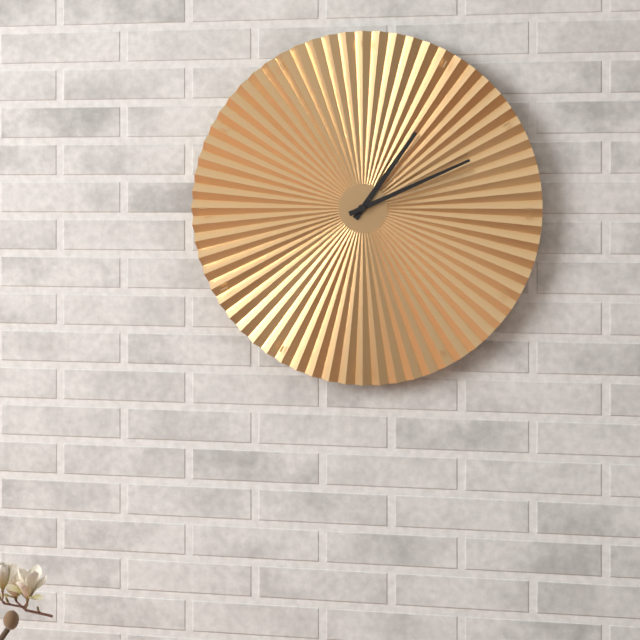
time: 1:11
